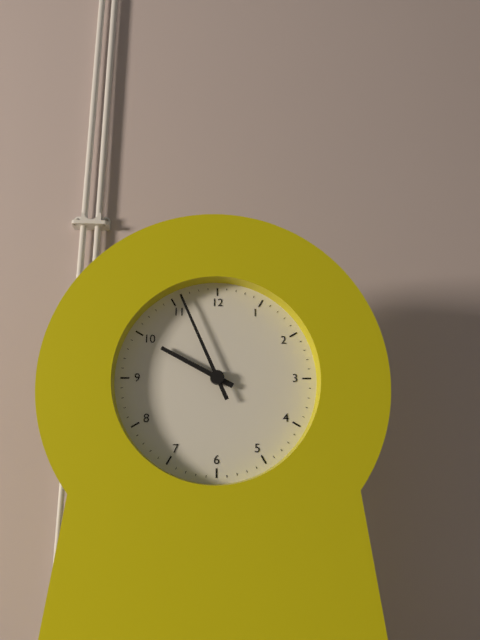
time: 9:56
